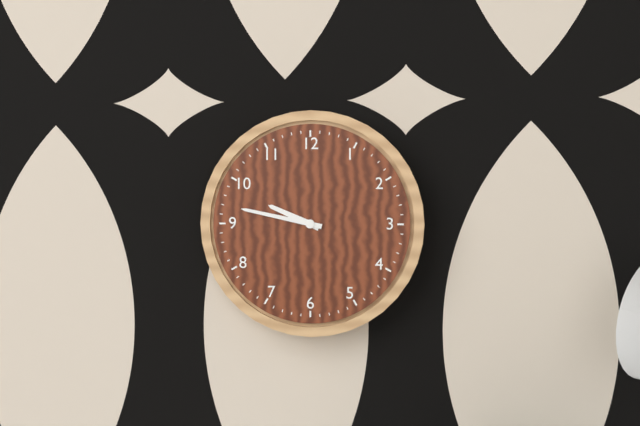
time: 9:47
